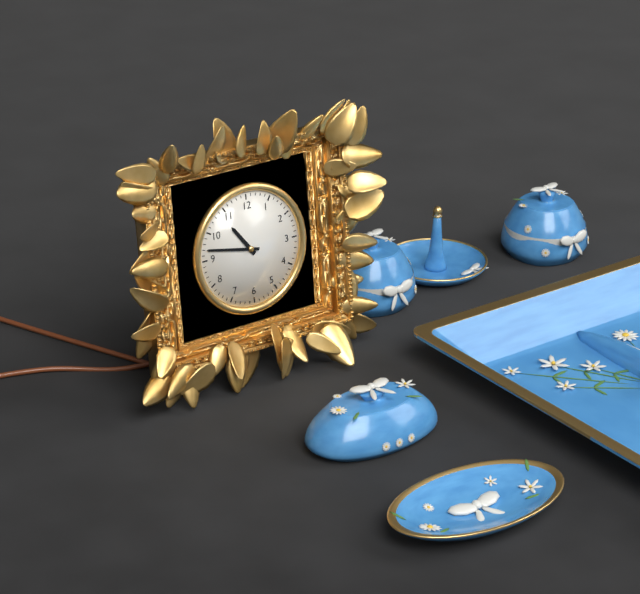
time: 10:47
